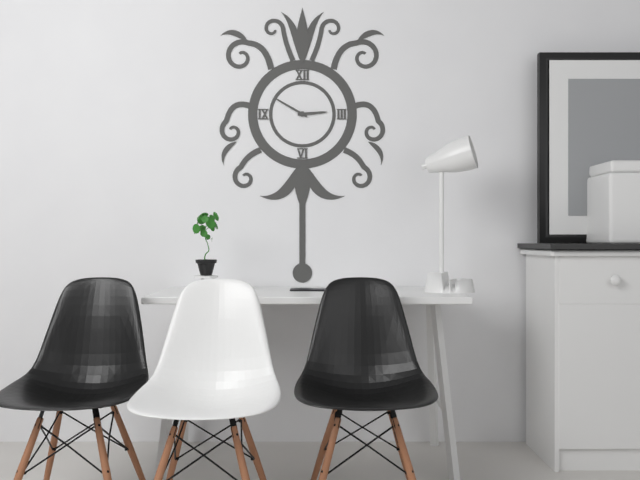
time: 2:50
